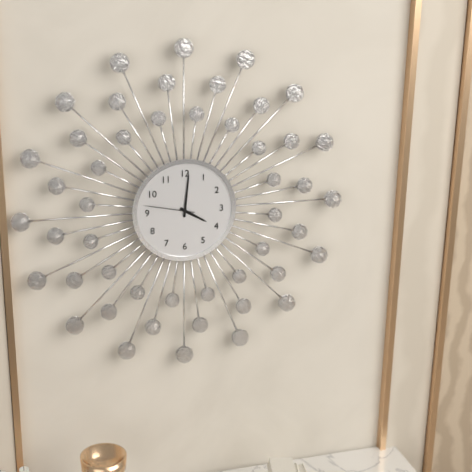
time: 4:01:47
